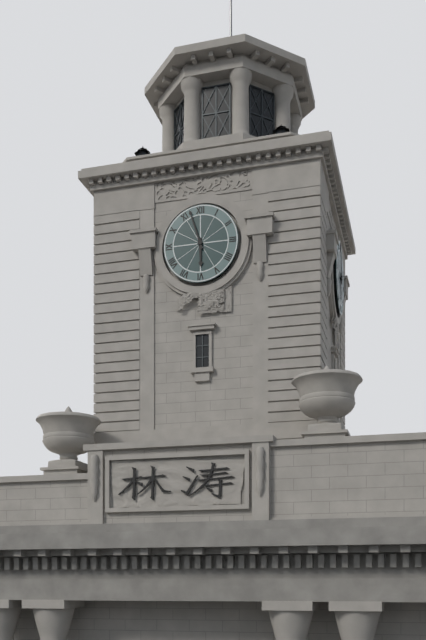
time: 5:57
